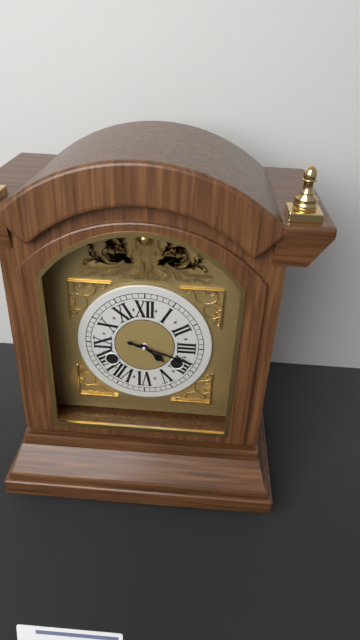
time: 4:18
